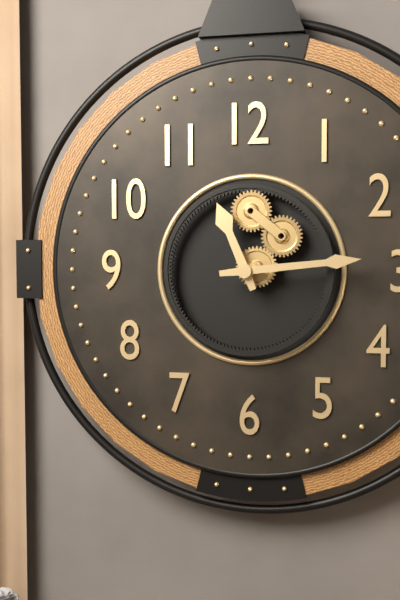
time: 11:14
